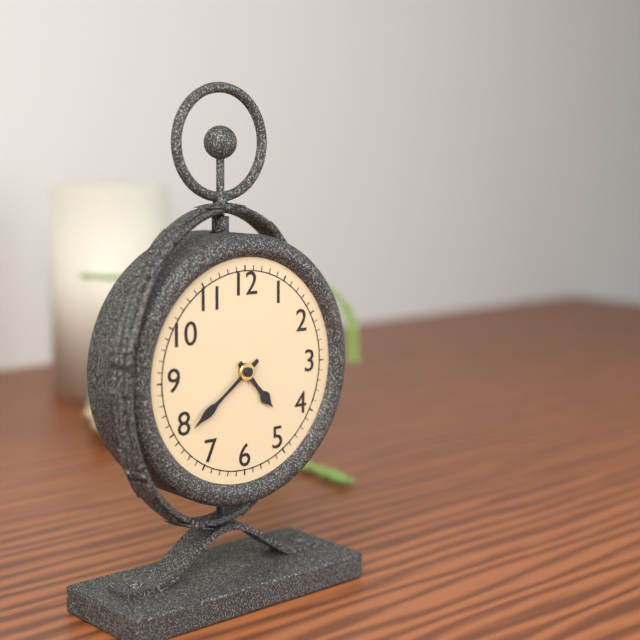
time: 4:39
